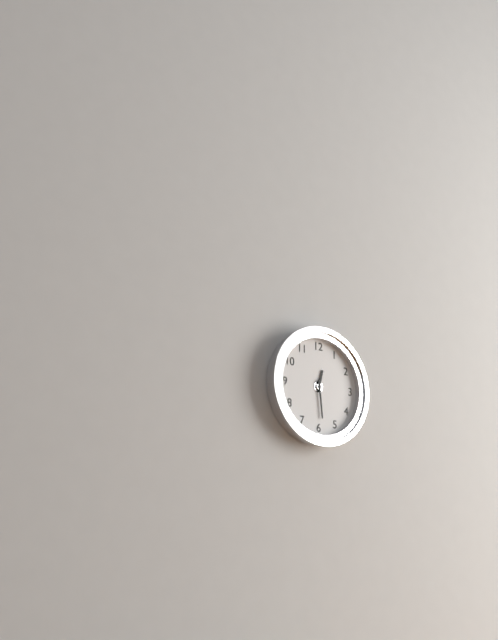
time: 12:29
